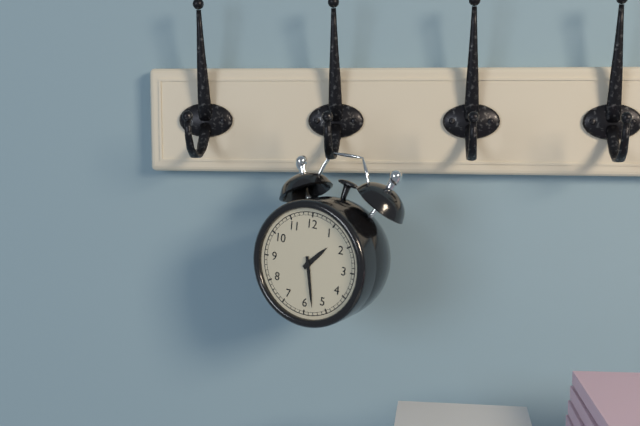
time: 1:28
